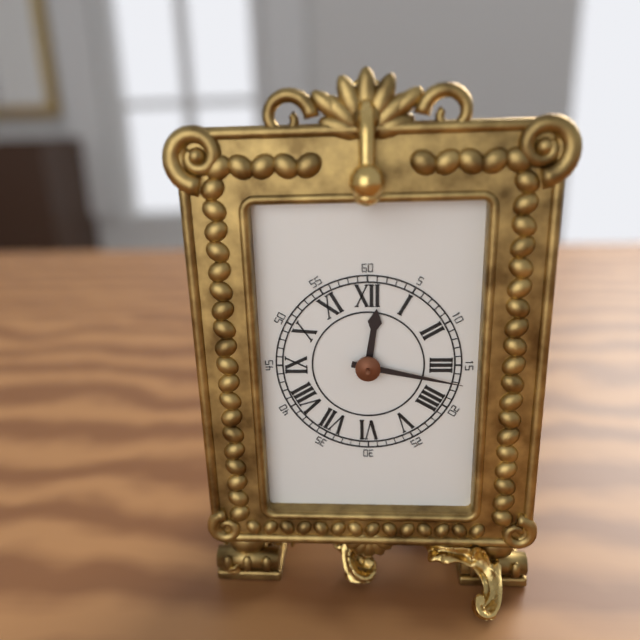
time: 12:17
